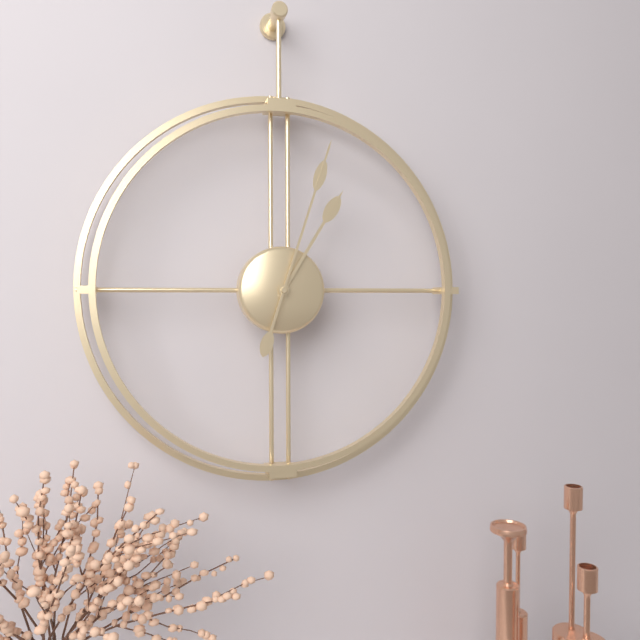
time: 1:03
